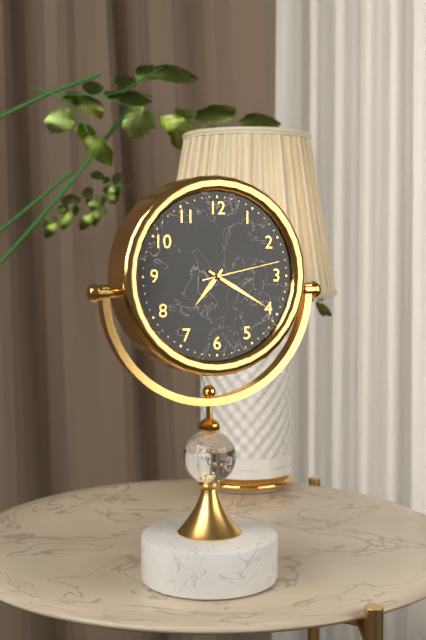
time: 7:20:13
